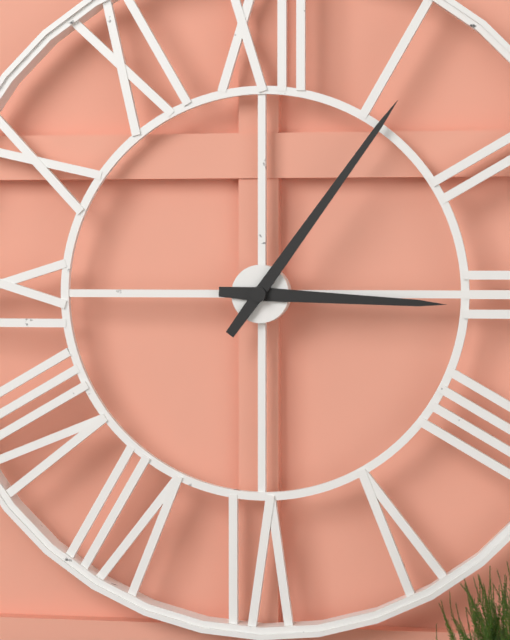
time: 3:06
